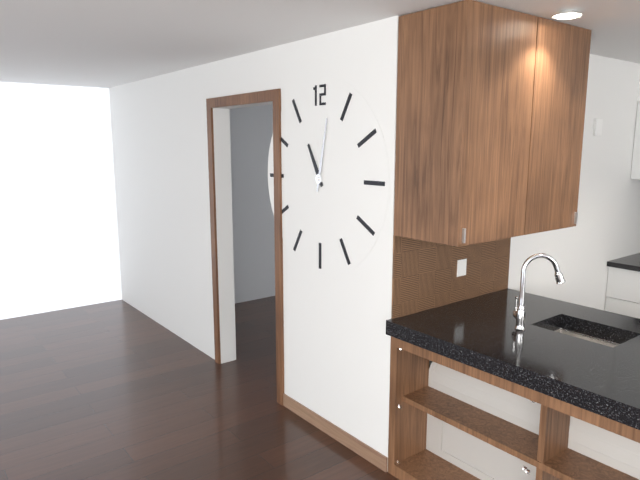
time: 11:02
